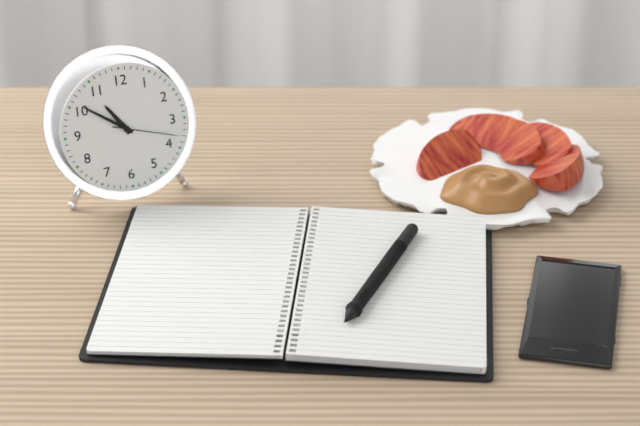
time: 10:51:18
